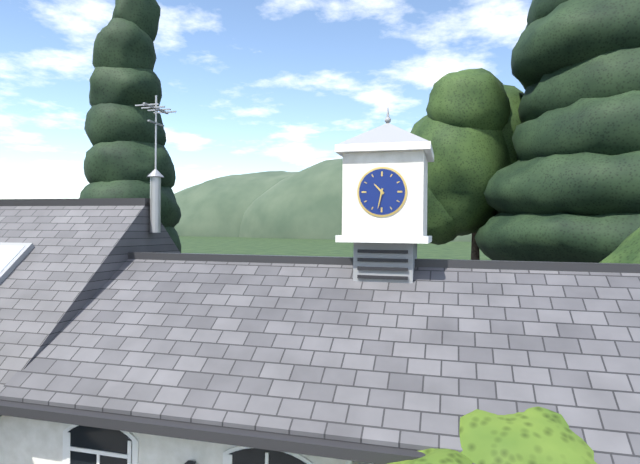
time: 10:32
